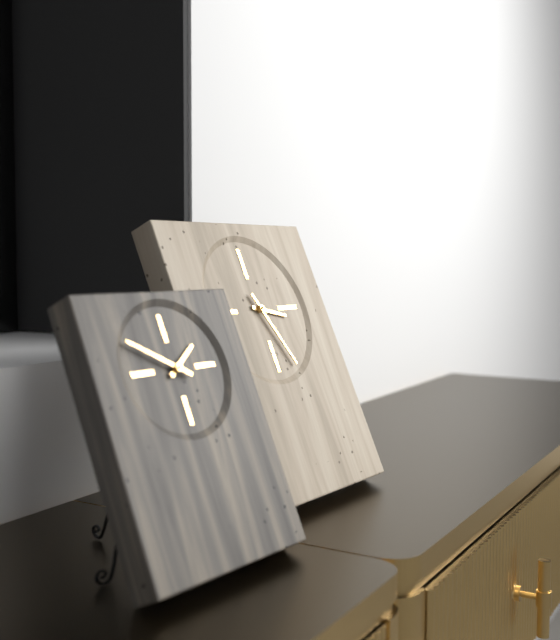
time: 3:26
